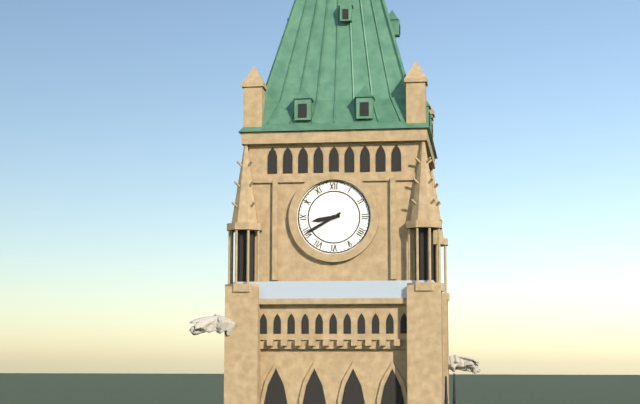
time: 8:40
